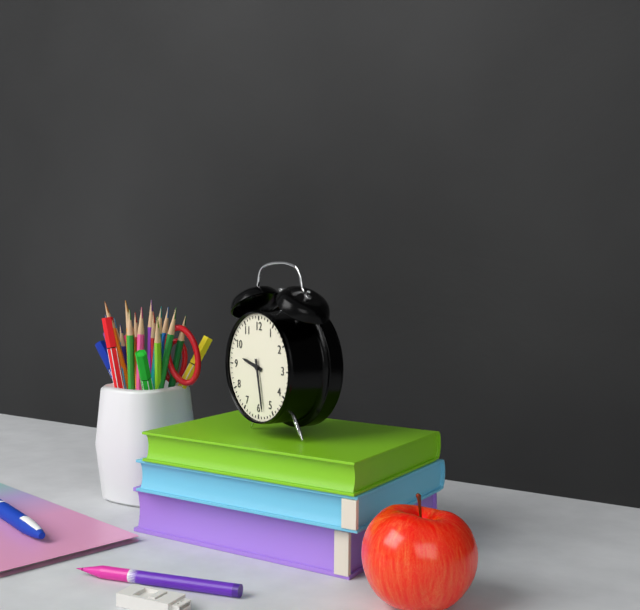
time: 9:28
